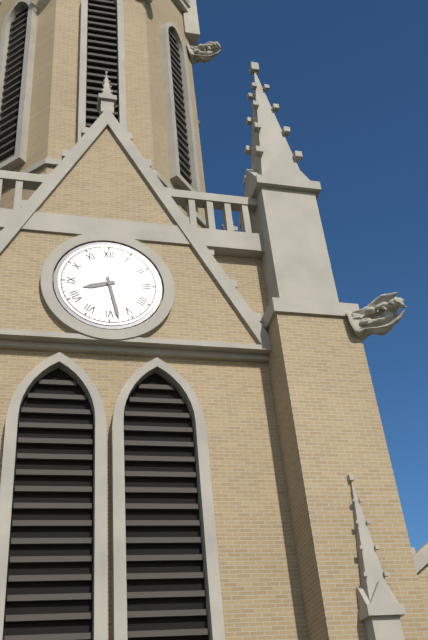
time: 8:28
